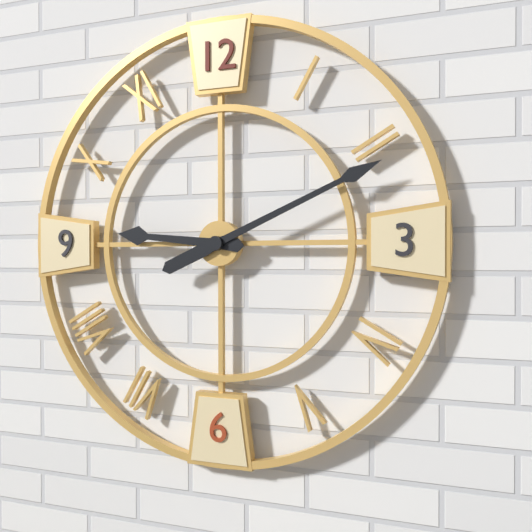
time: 9:11
